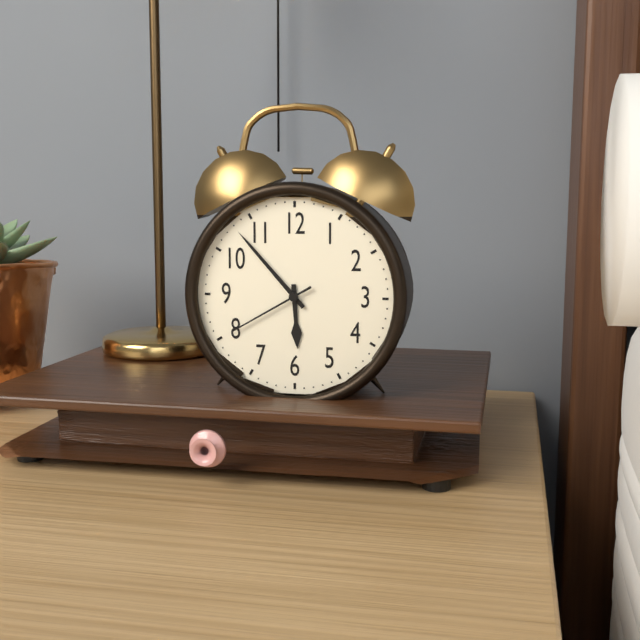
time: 5:53:40
